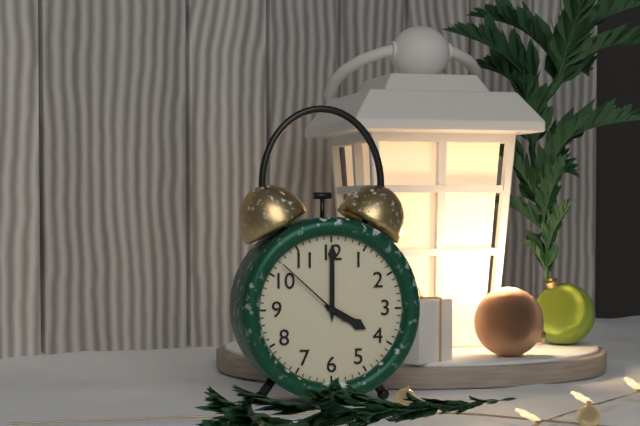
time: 4:00:52
